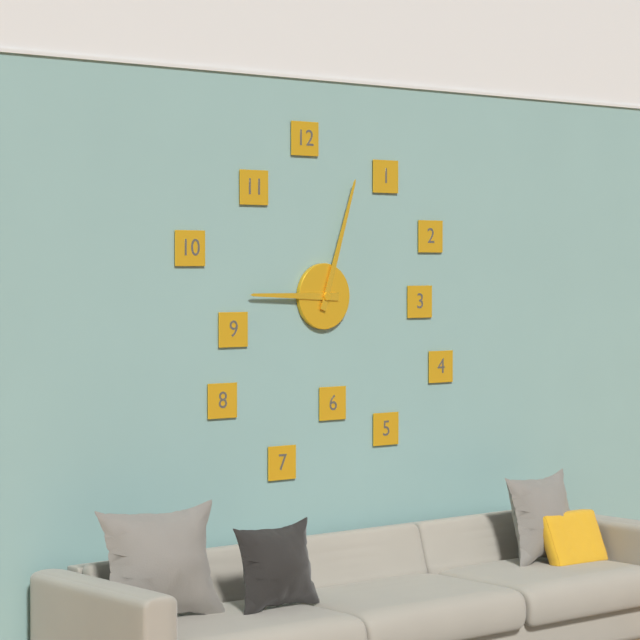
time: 9:03
